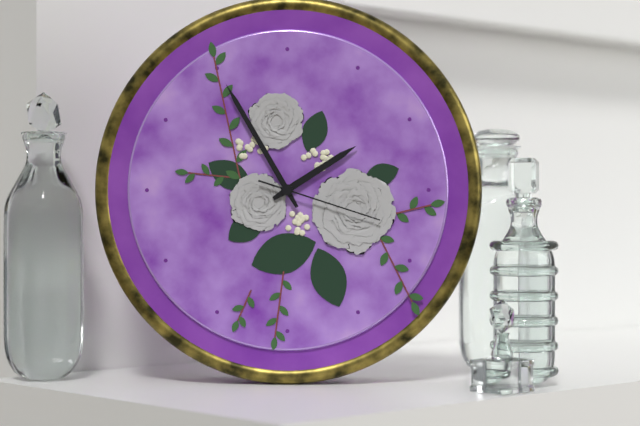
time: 1:55:18
